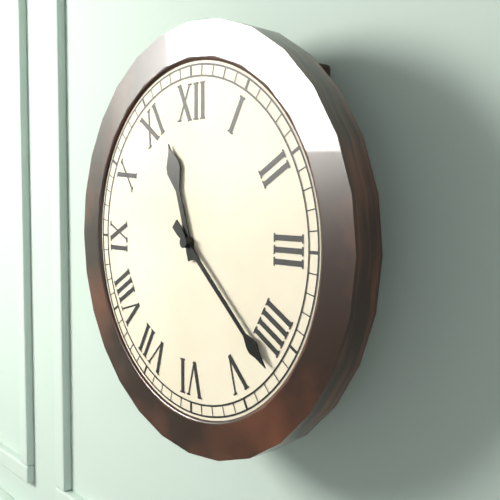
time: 11:22
